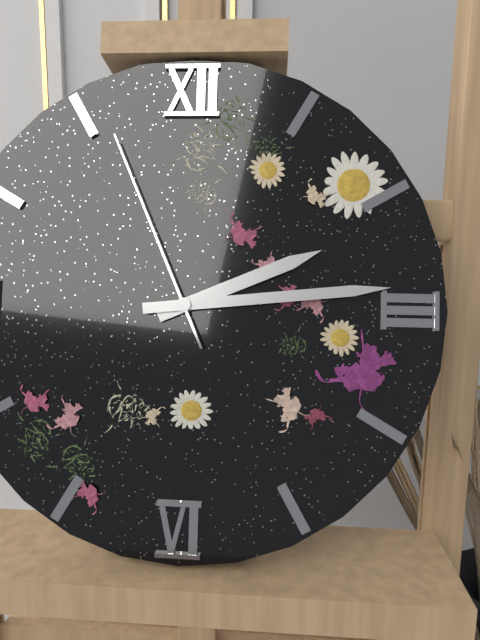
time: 2:14:56
